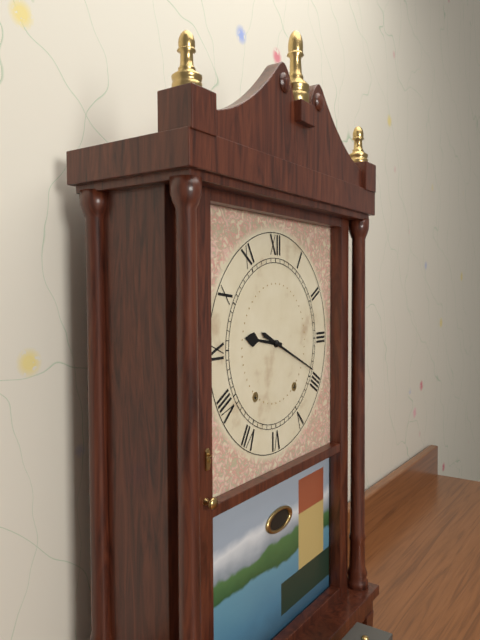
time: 9:19
